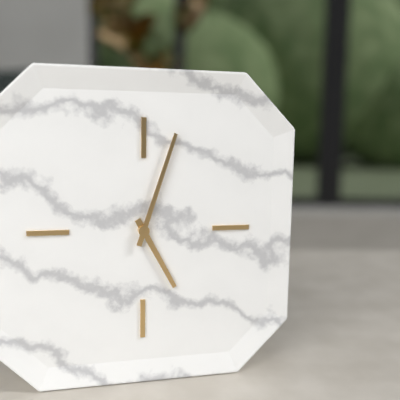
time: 5:03
